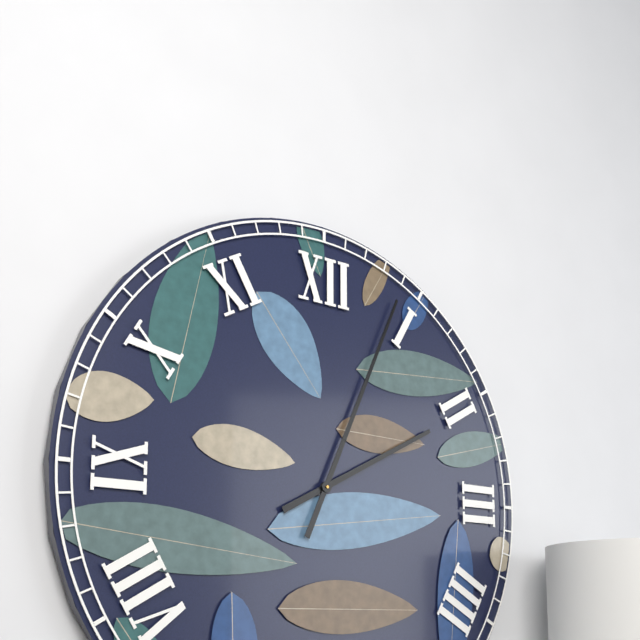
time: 2:04
